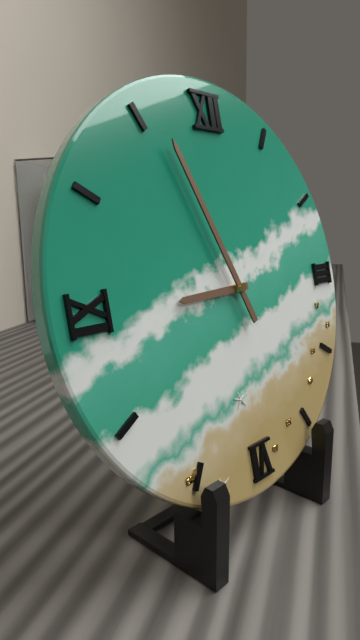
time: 8:56
